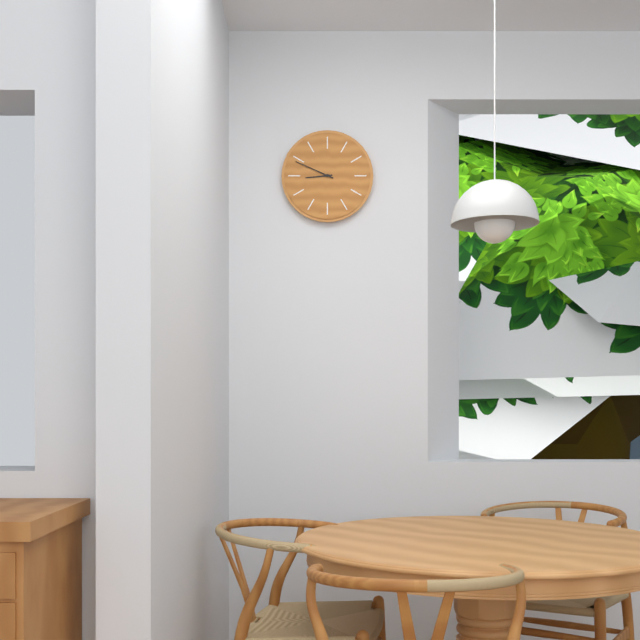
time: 8:49
